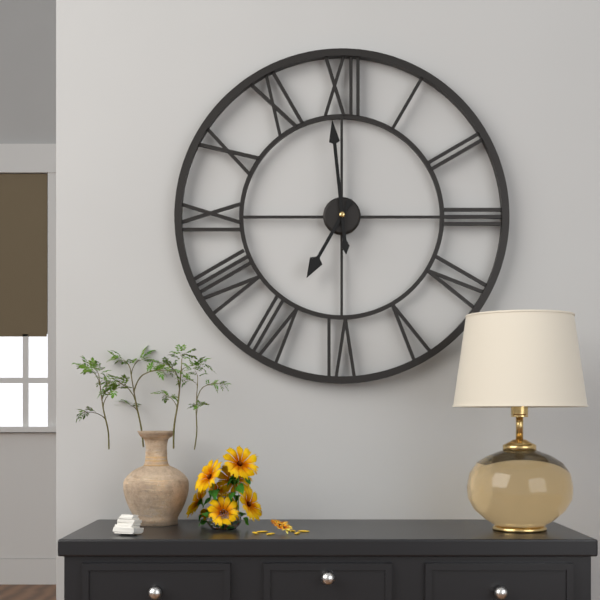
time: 6:59
